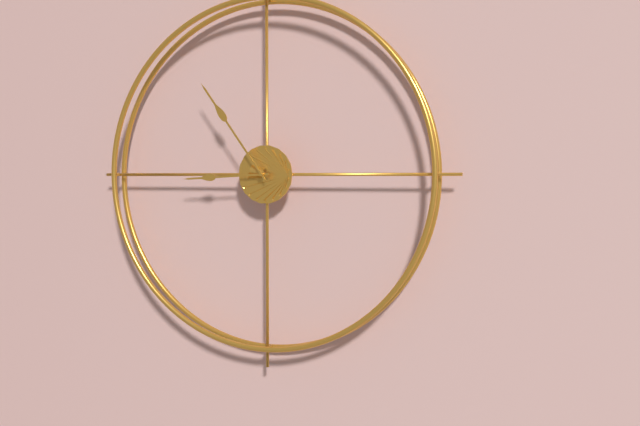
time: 8:54
